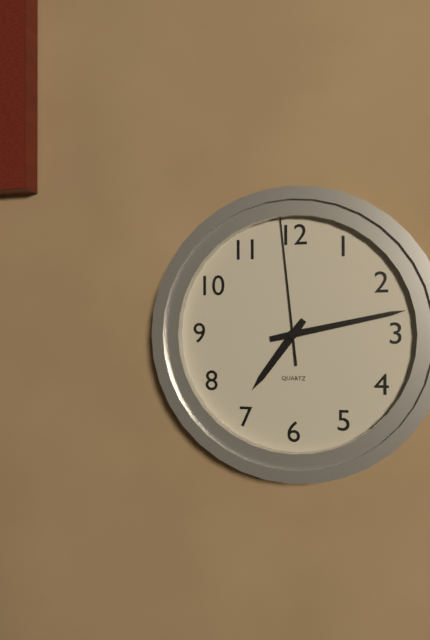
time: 7:13:59
